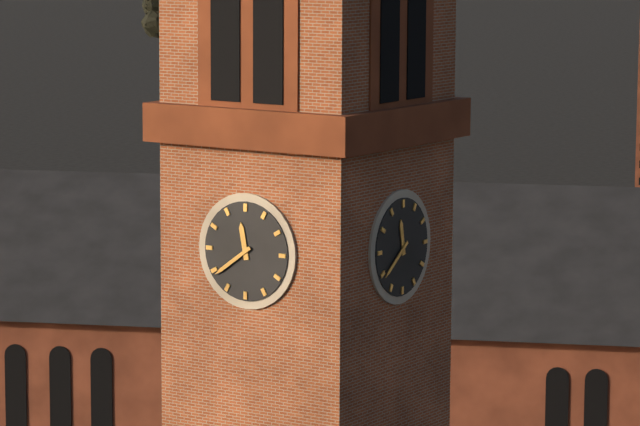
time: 11:39
